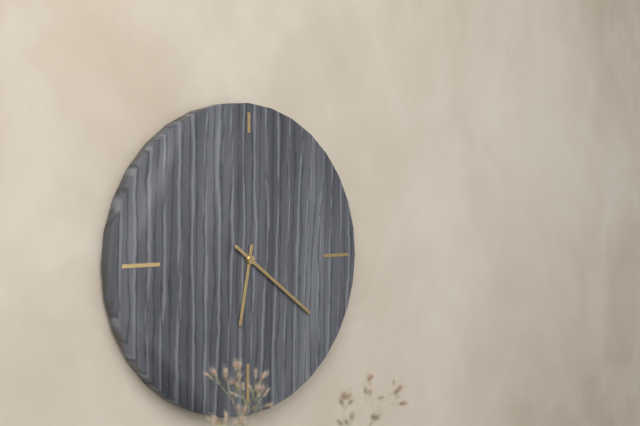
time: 6:21
